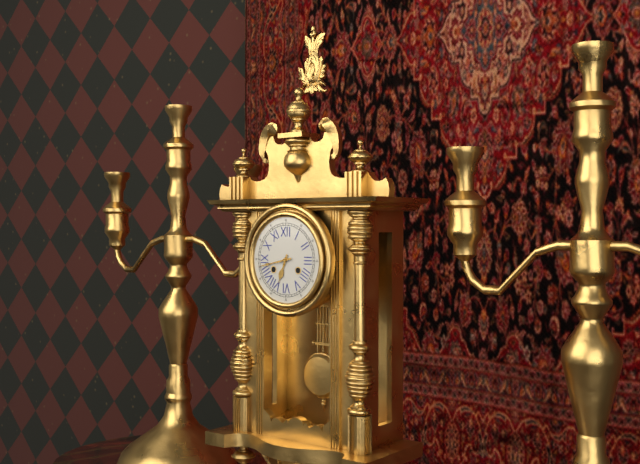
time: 6:43
